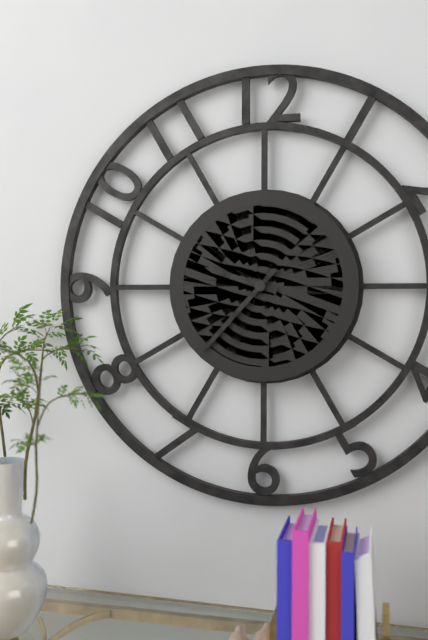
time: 9:37
